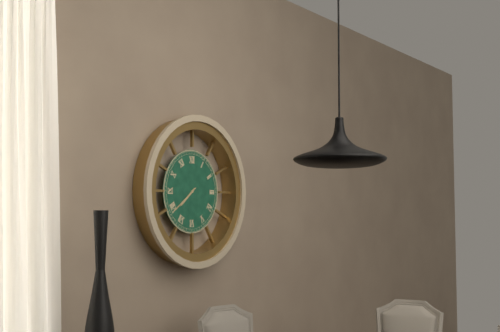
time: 7:39
